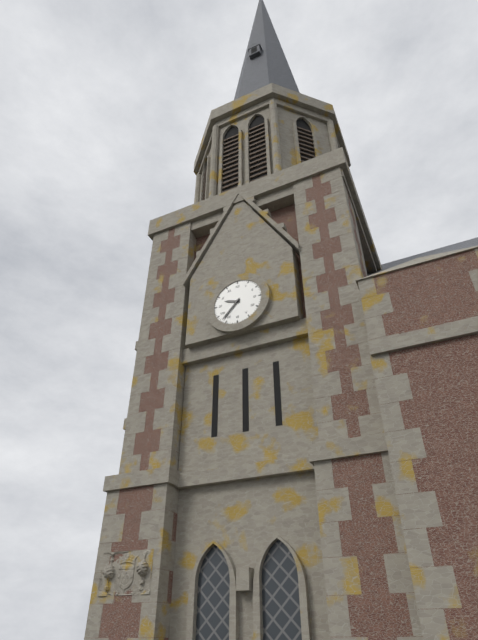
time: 9:37
